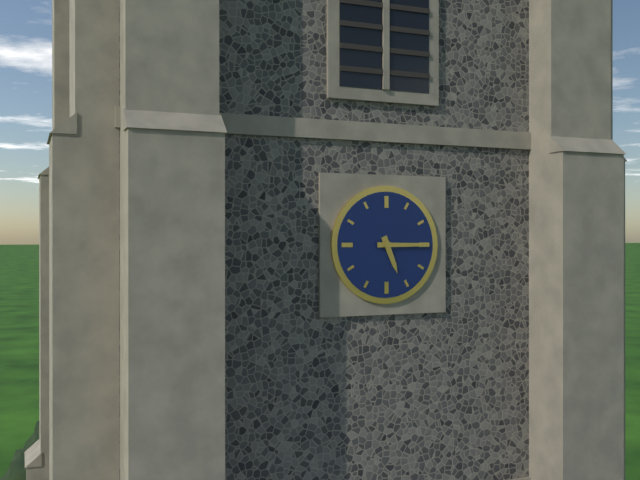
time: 5:15
